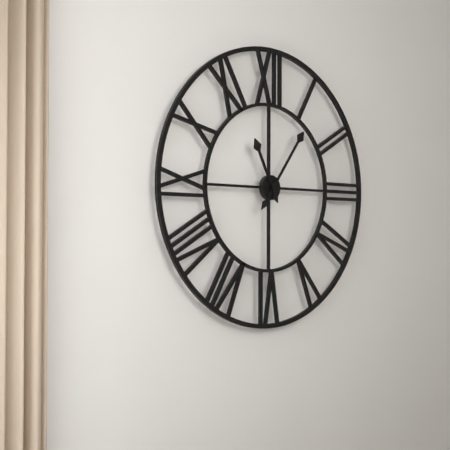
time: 11:06
